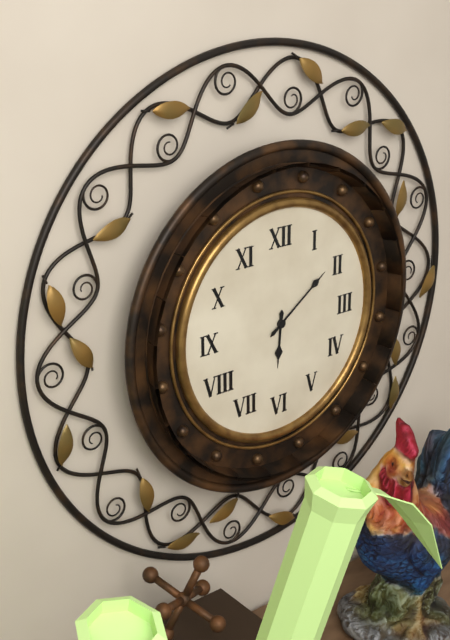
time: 6:09
